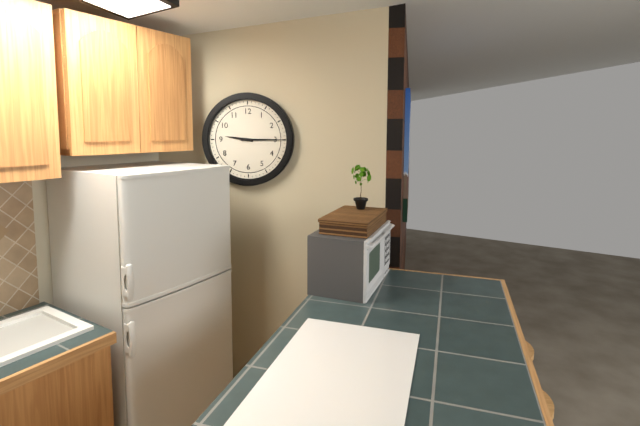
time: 9:15
